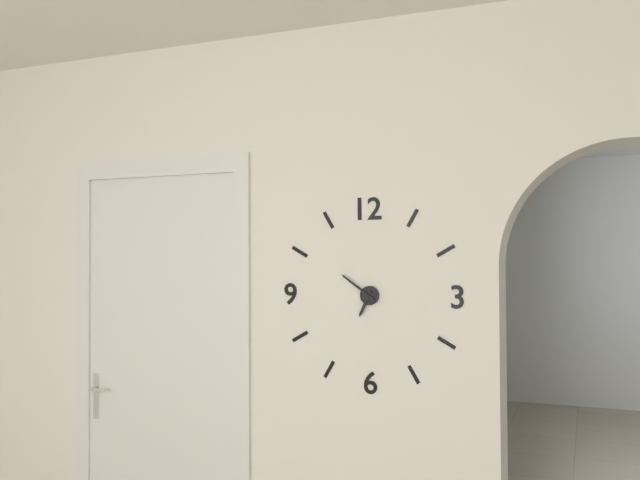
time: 6:51
